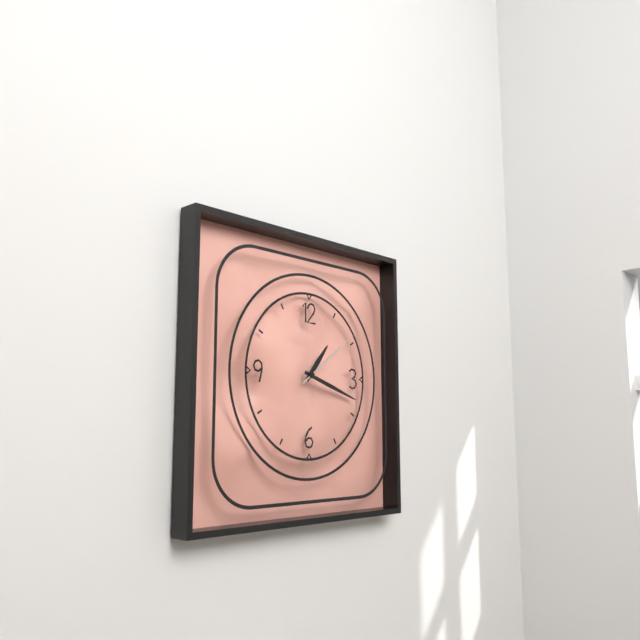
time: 1:18:09
